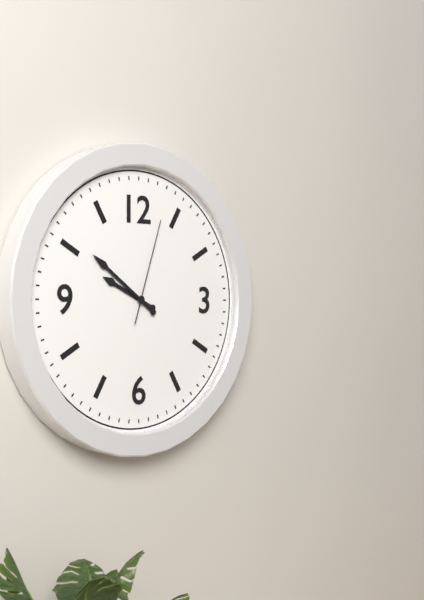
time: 9:51:03
